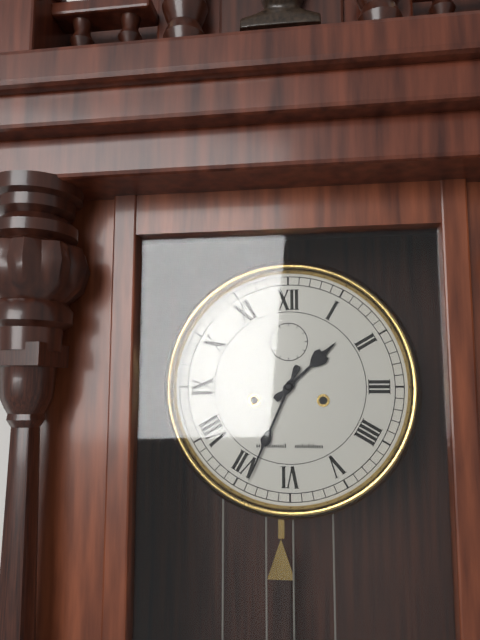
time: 1:34
